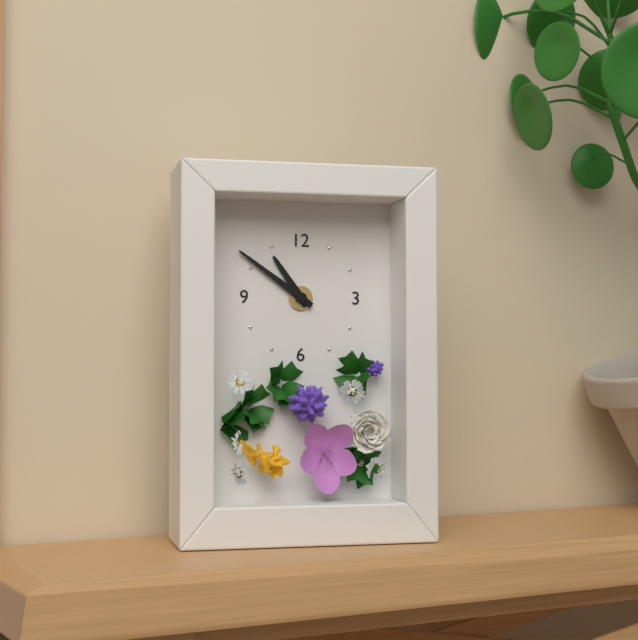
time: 10:51
